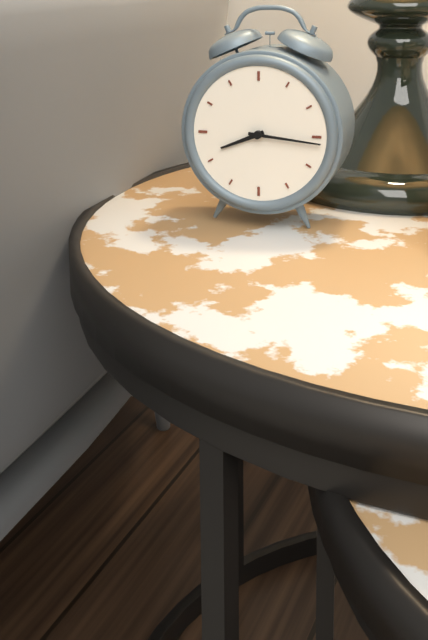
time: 8:16
